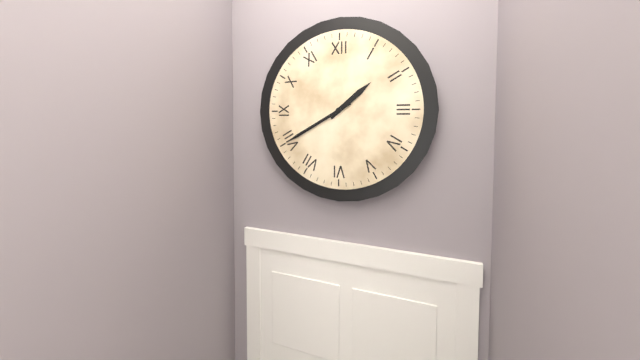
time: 1:40
